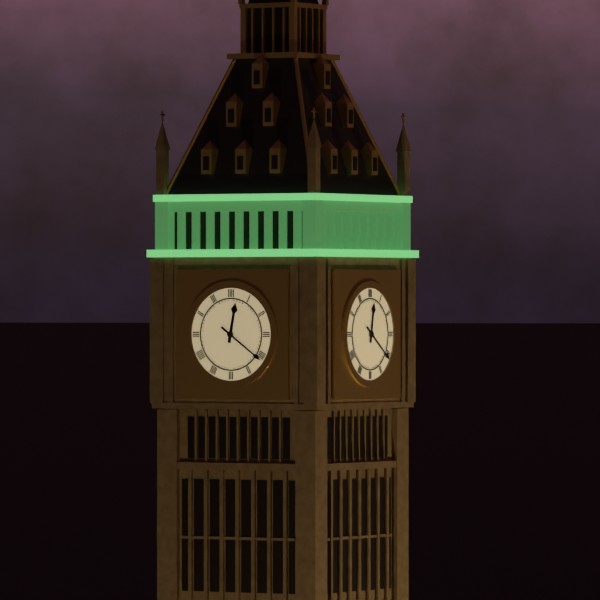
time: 12:21
